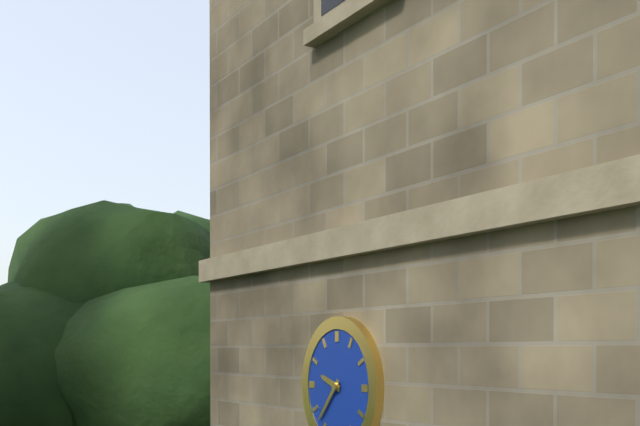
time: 9:37
